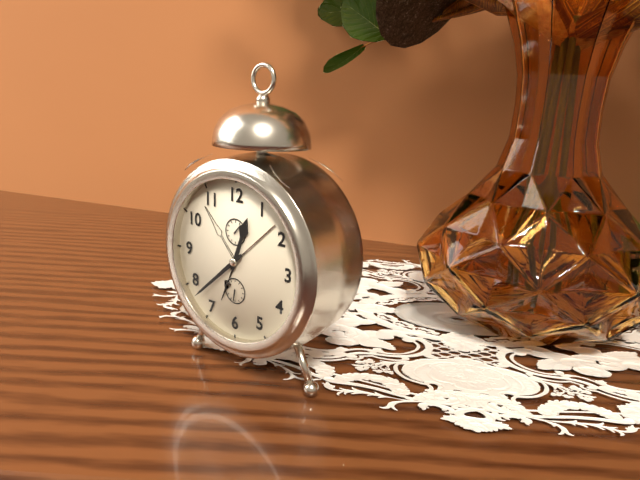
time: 12:38
